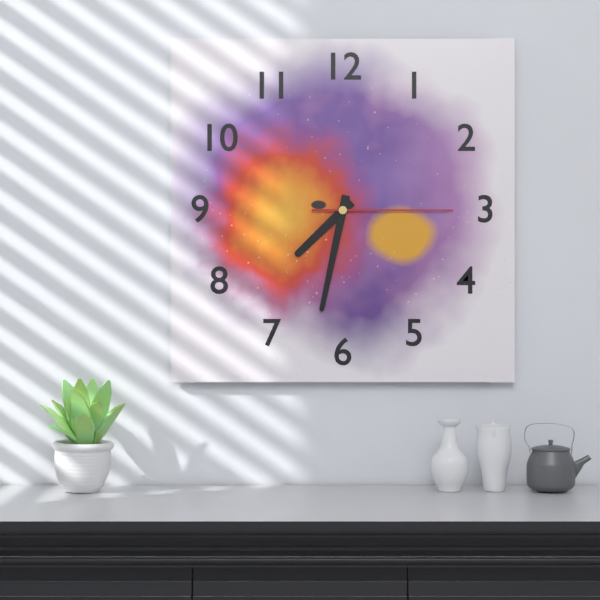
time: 7:32:15
